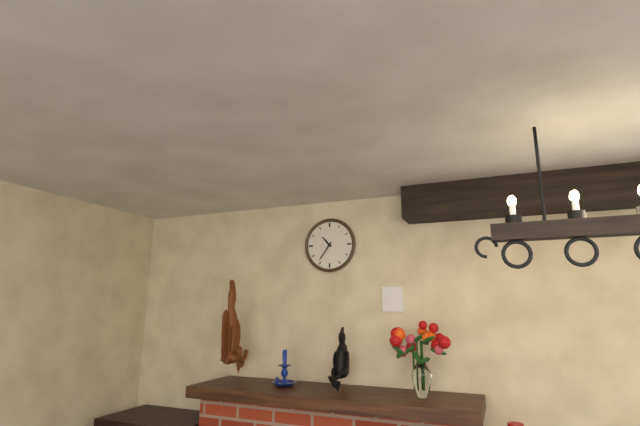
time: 10:36
